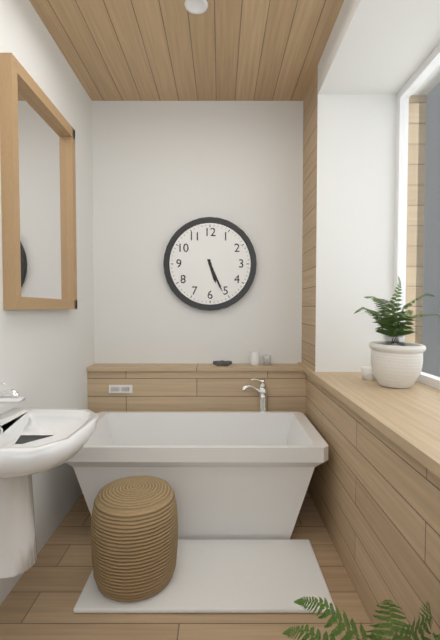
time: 5:26
